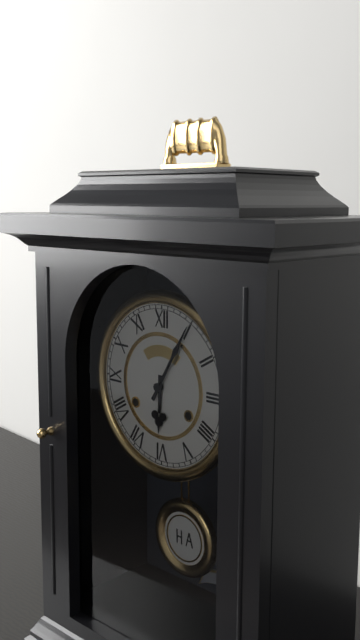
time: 6:05
